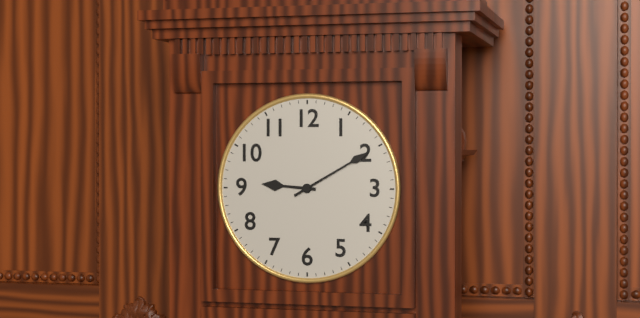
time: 9:10
